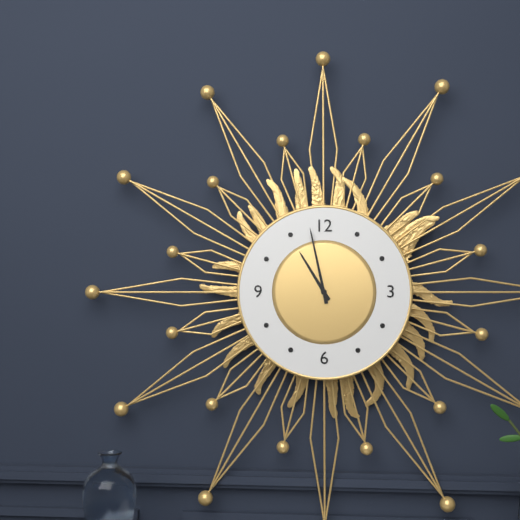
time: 10:58
